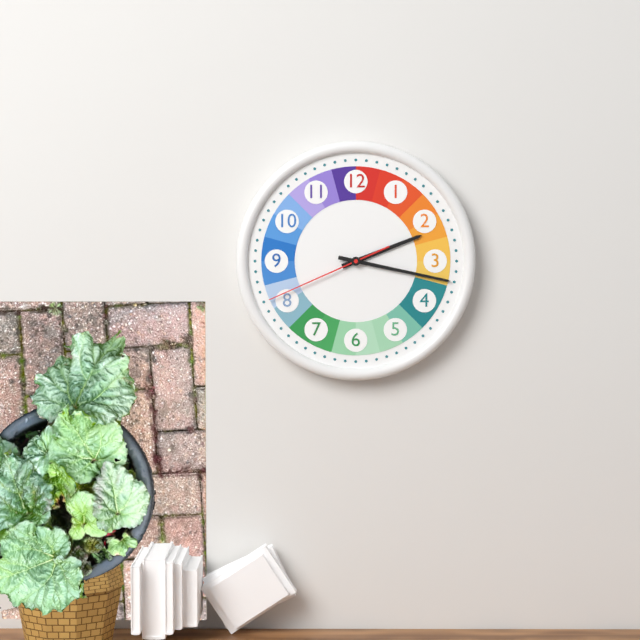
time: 2:17:41
